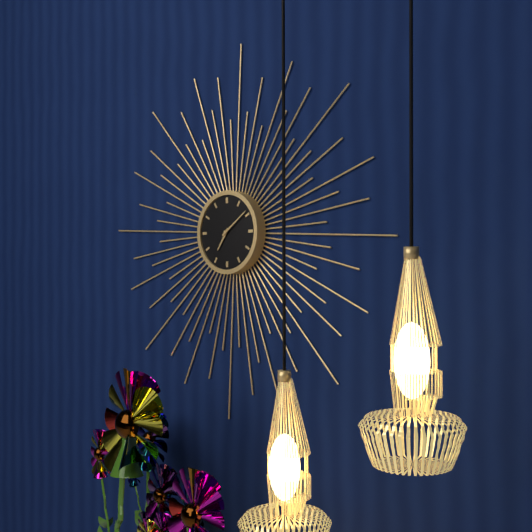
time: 7:09
